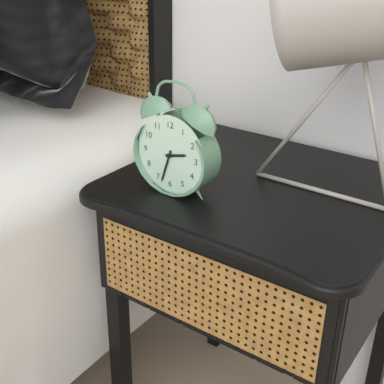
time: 2:33
